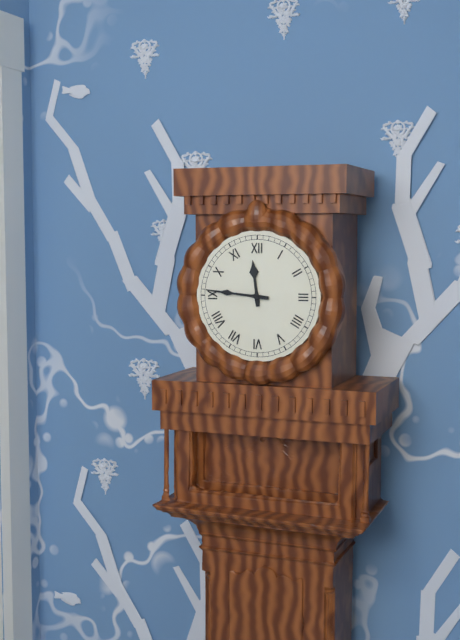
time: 11:46
